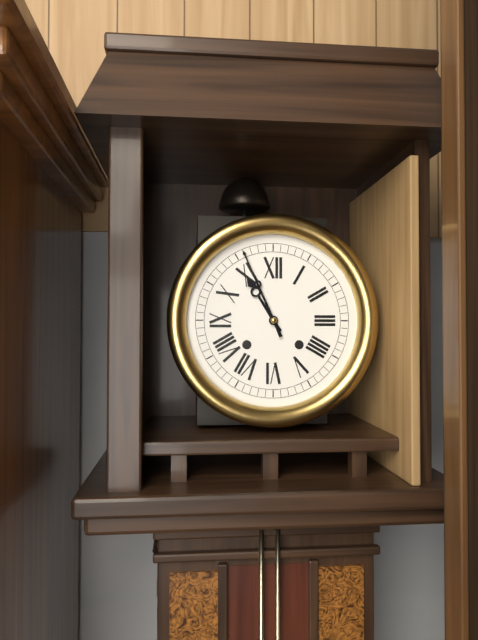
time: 10:56
